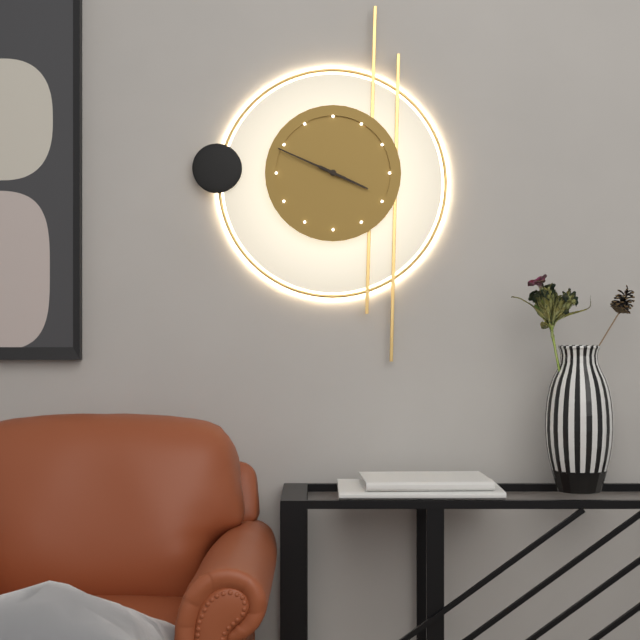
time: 3:49
